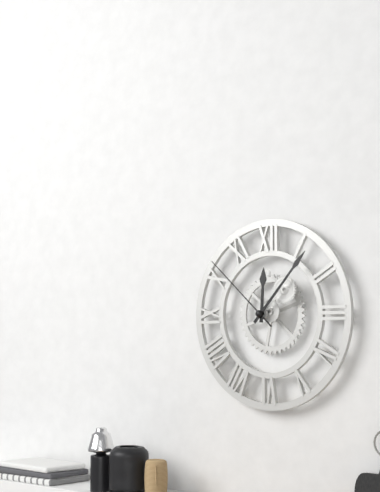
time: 12:07:52
